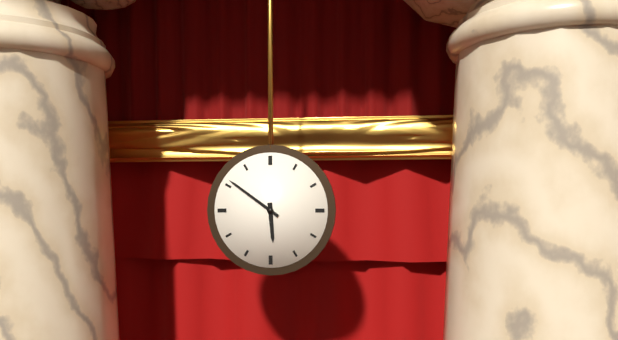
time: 5:51
